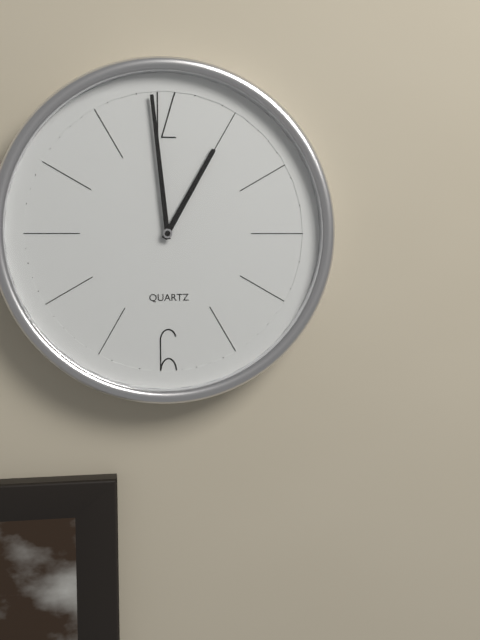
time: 12:59
